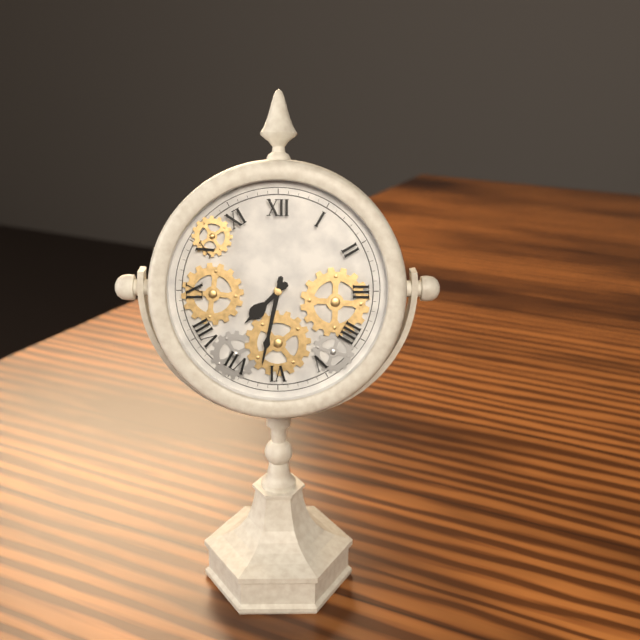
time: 7:32
